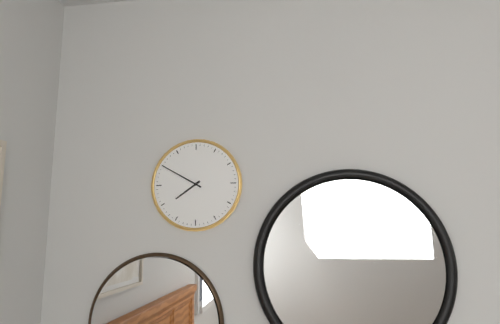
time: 7:50
